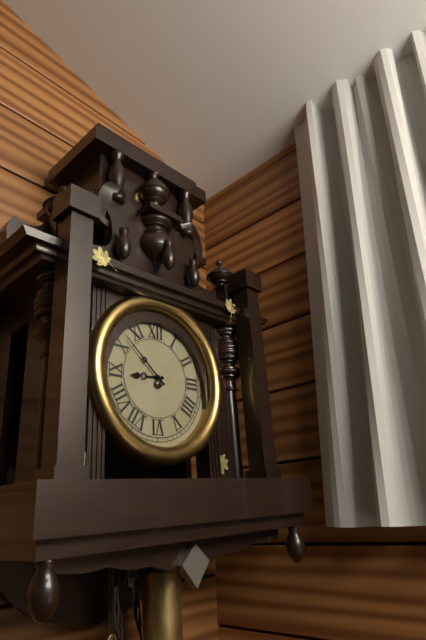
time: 8:52
